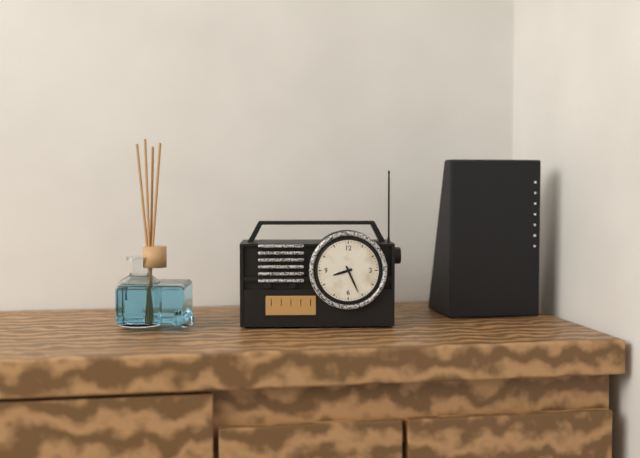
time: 8:26
